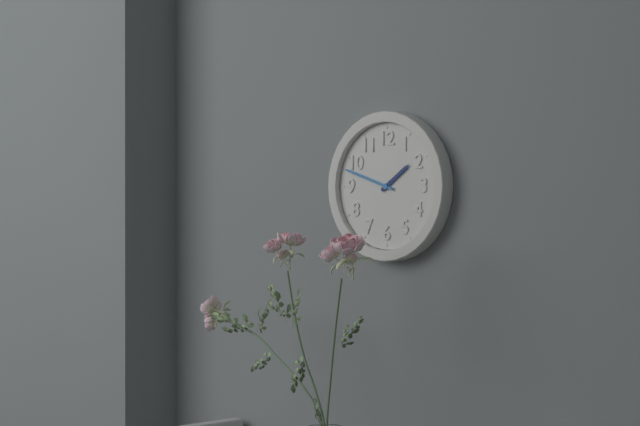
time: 1:48
